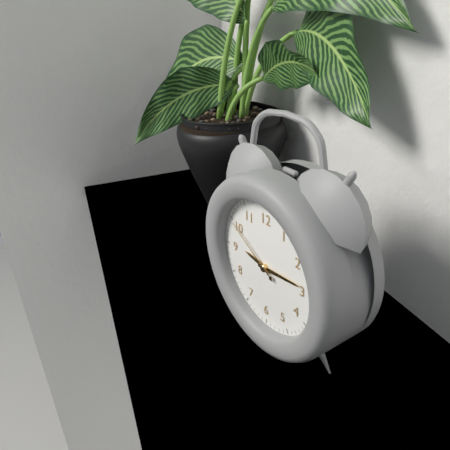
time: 9:14:50
